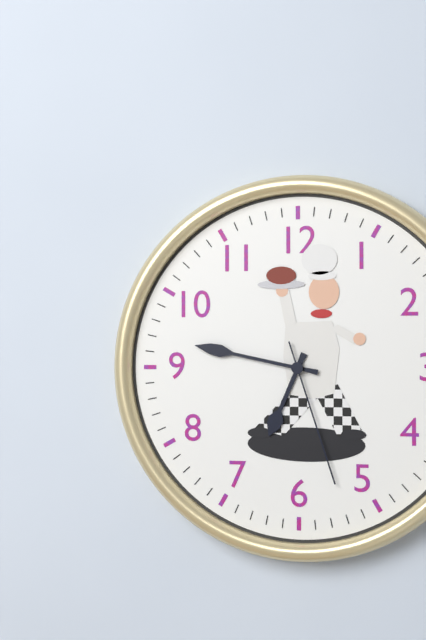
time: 6:47:27
